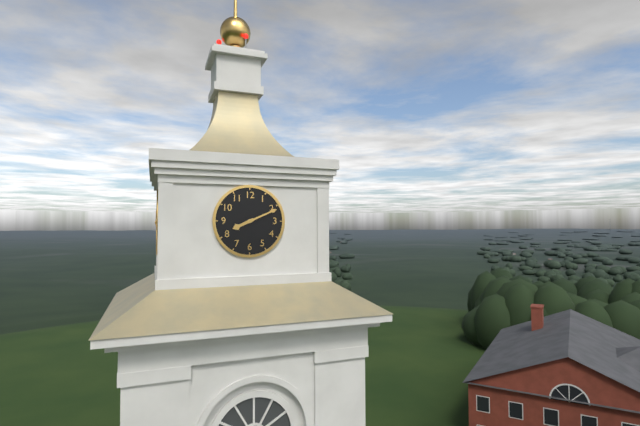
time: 8:11
